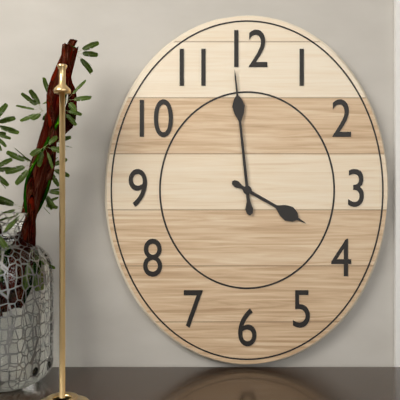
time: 3:59
